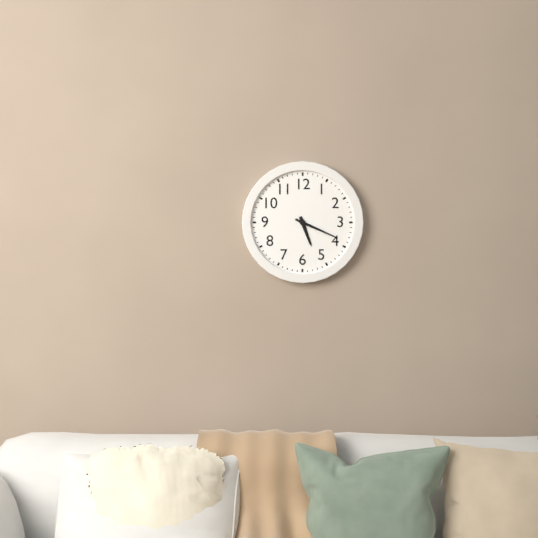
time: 5:19
